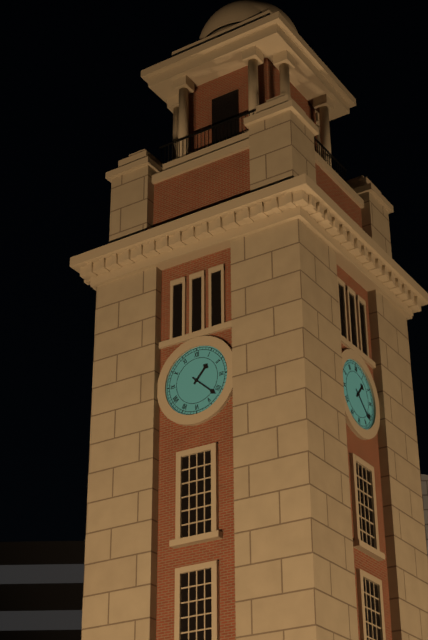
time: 1:22
